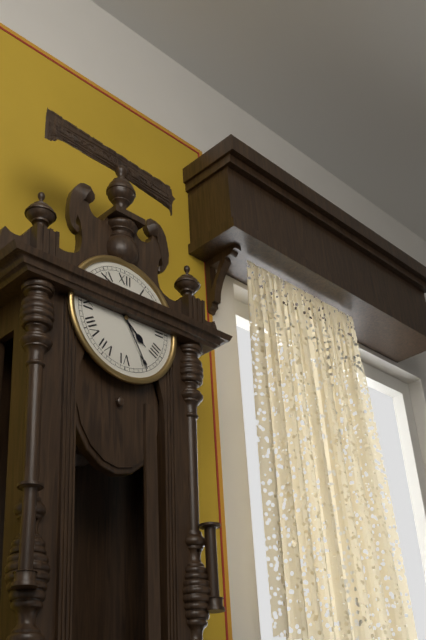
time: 4:25
